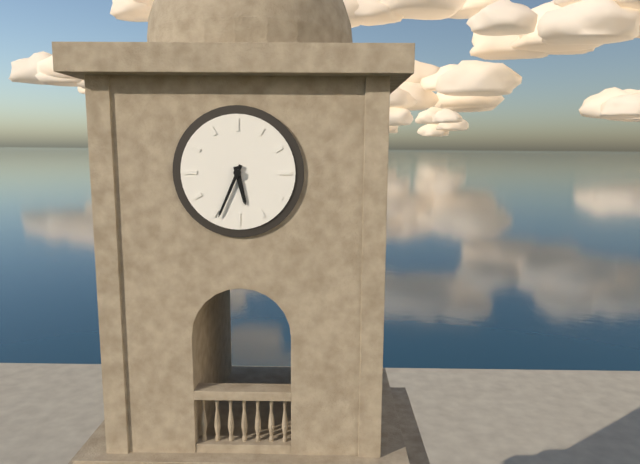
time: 5:34
